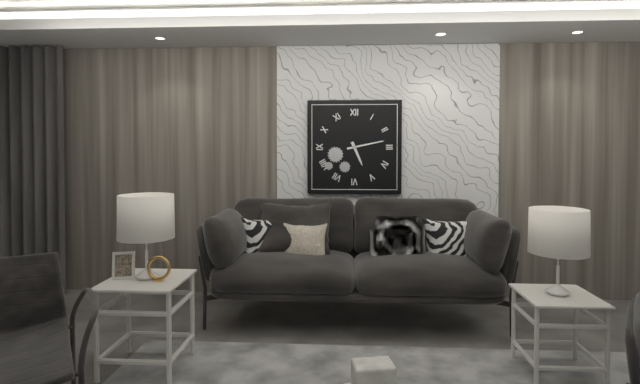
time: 5:13
